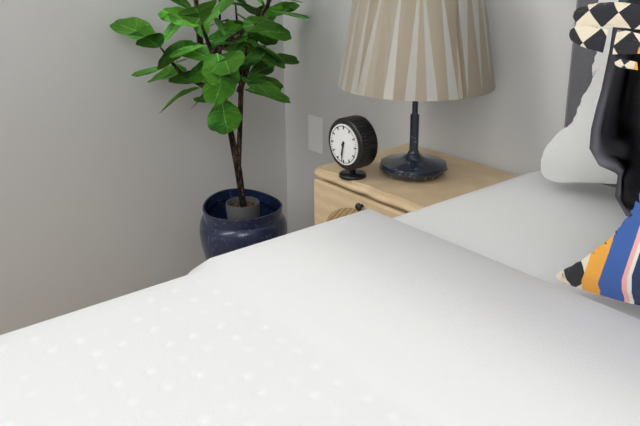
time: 6:31
